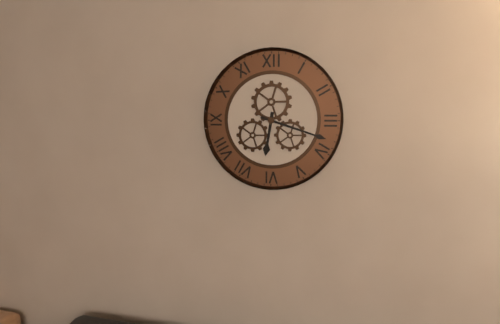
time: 6:18
